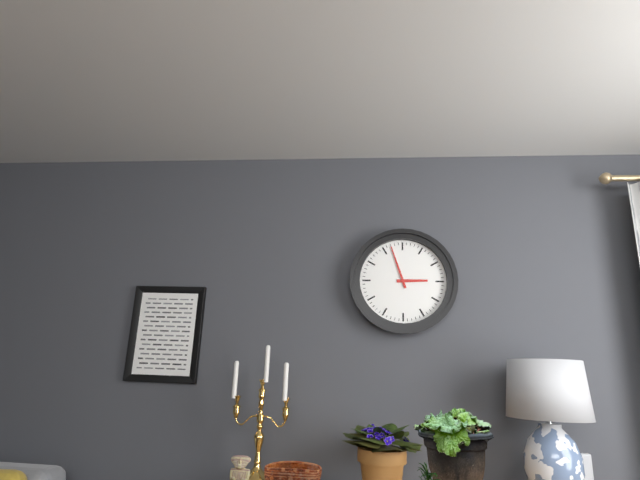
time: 2:57
